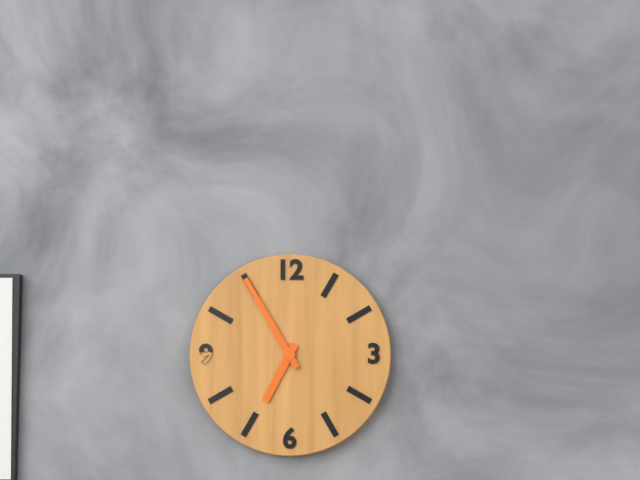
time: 6:55
